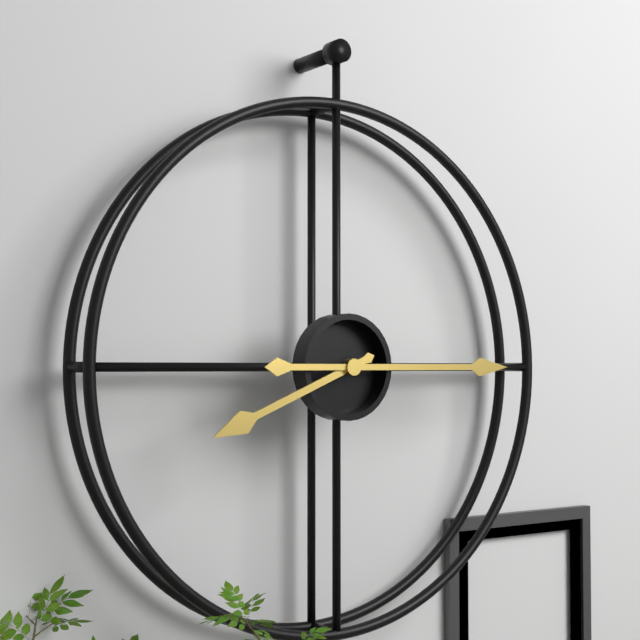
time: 8:15
